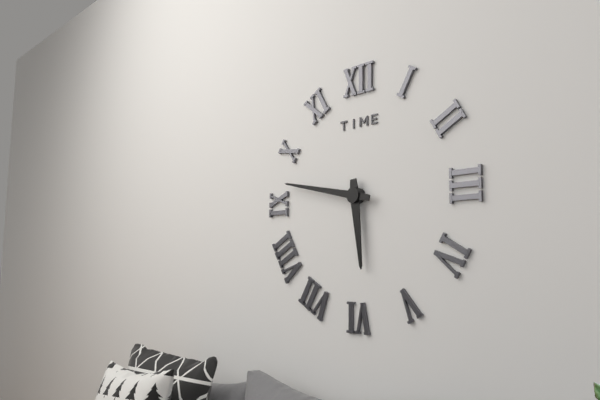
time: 5:47
